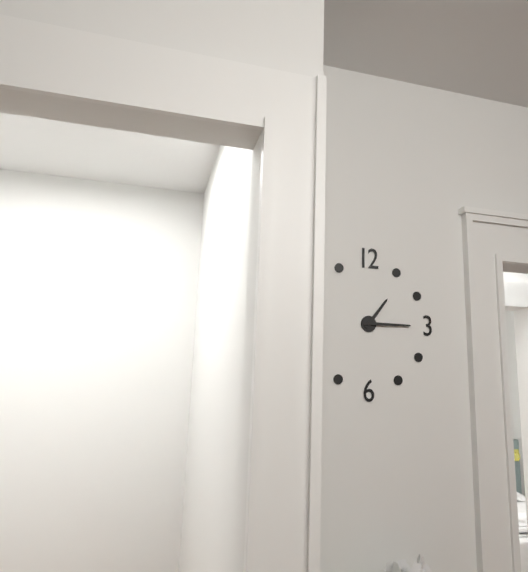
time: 1:15
